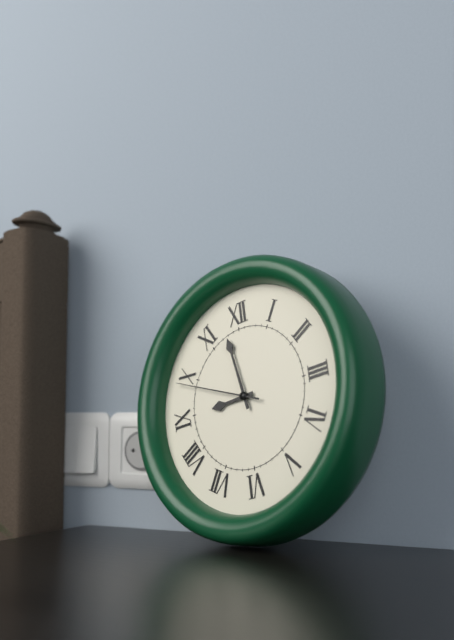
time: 8:58:49
